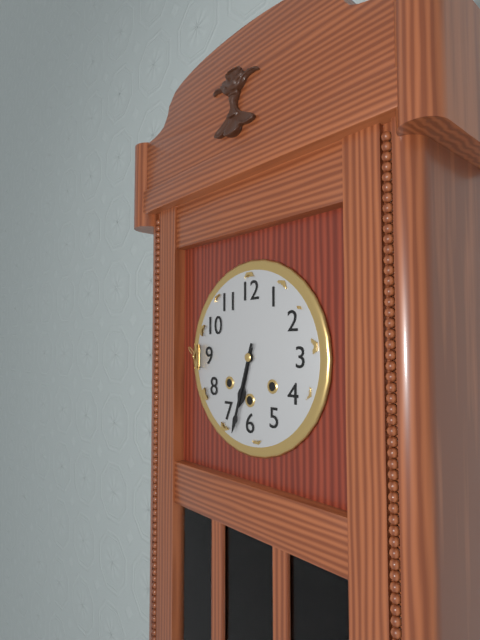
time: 6:33
